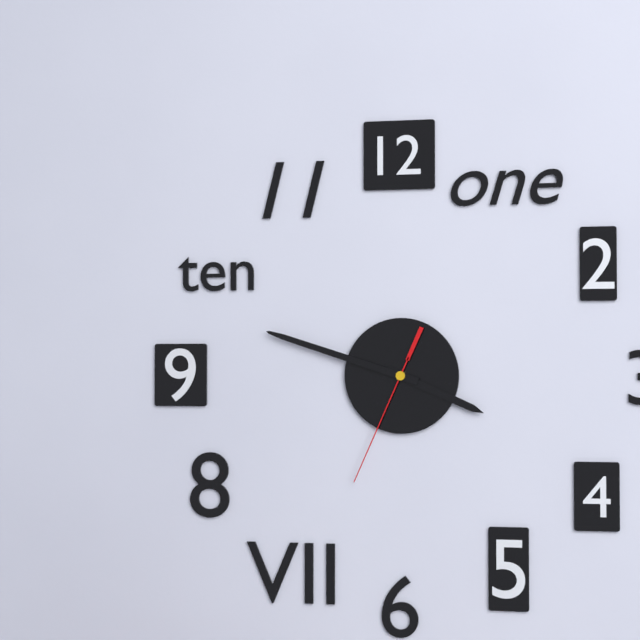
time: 3:48:34
